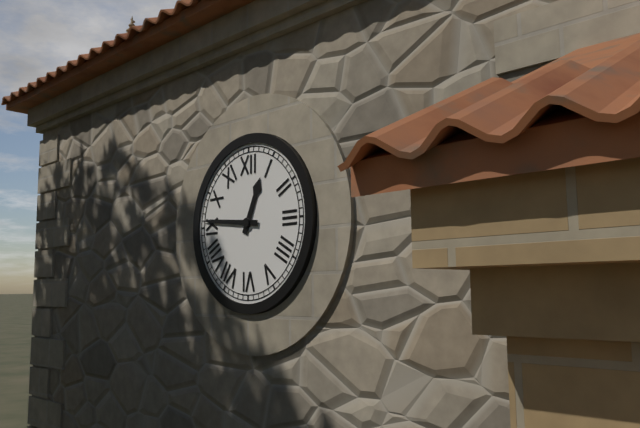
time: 12:46
